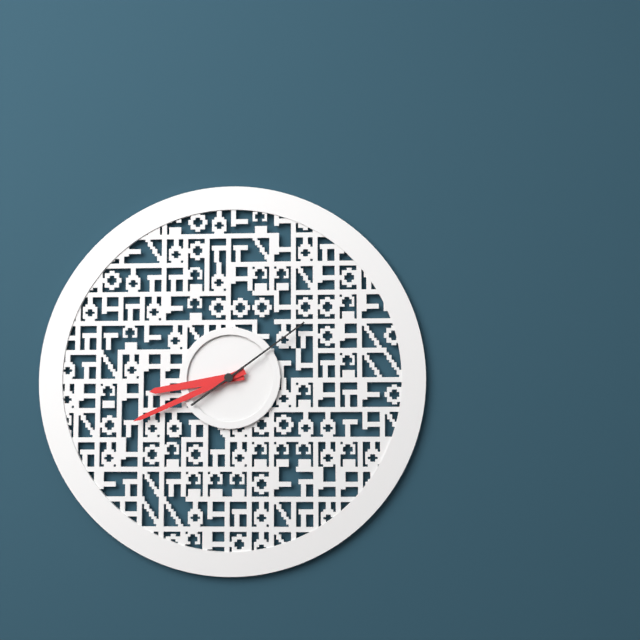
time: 8:41:09
